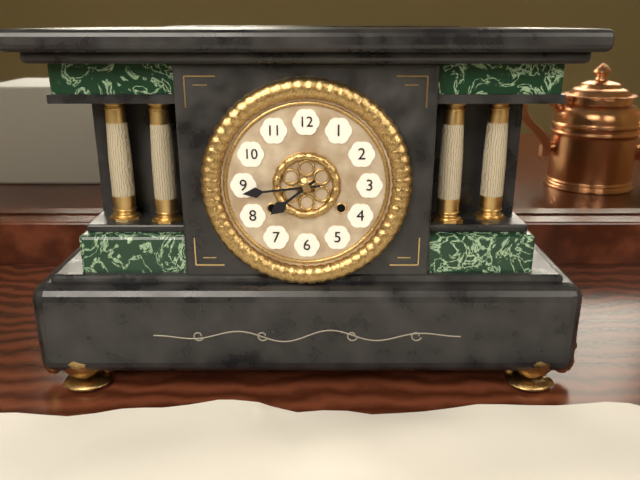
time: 7:44
